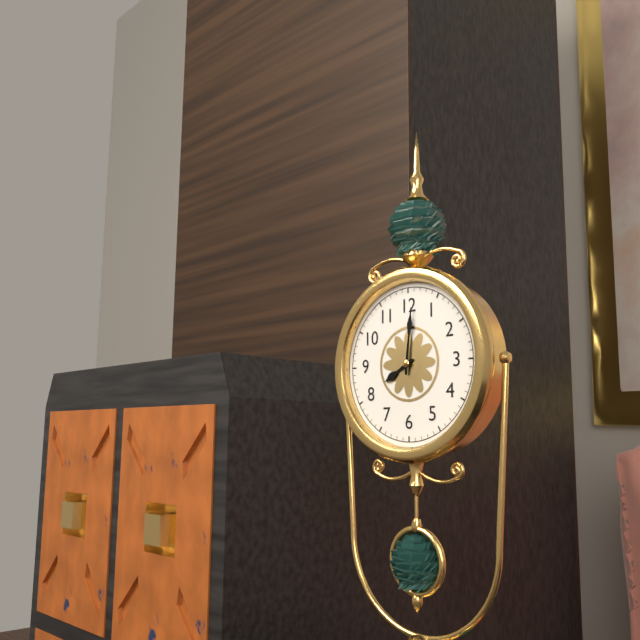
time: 8:01
